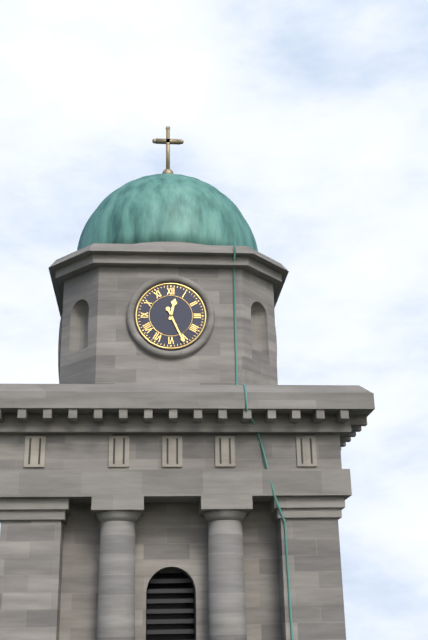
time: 12:26
